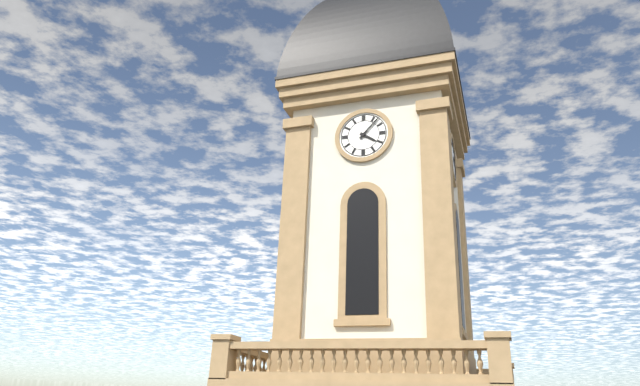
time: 4:07
